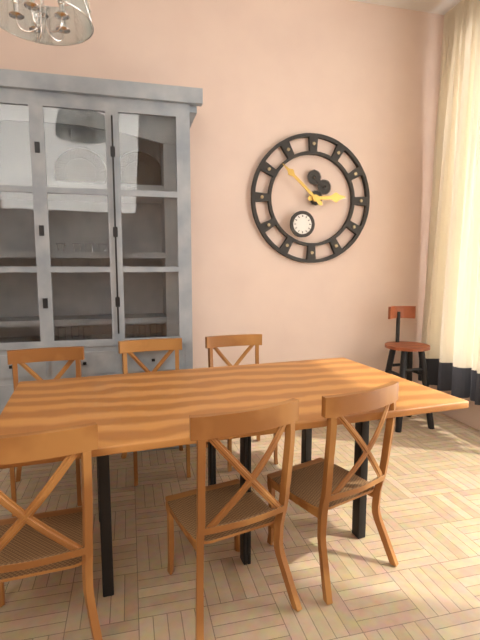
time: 2:52
